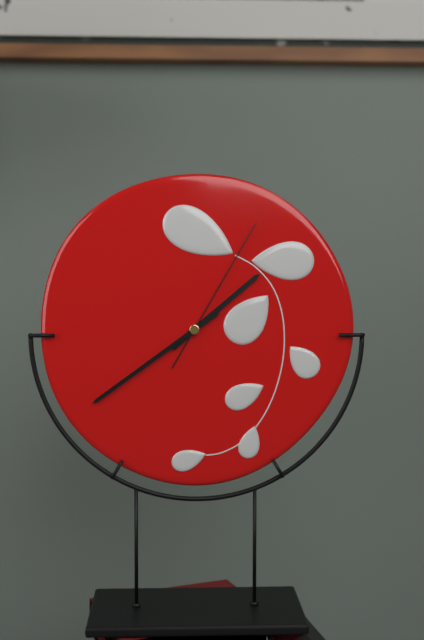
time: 1:39:05
